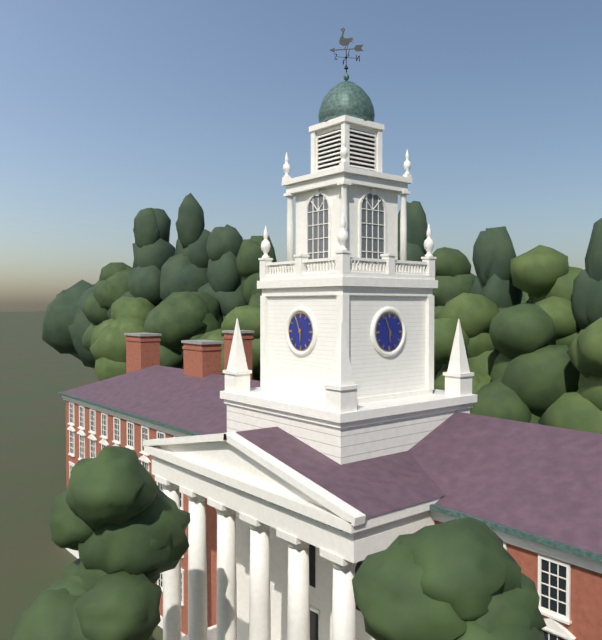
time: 5:56
